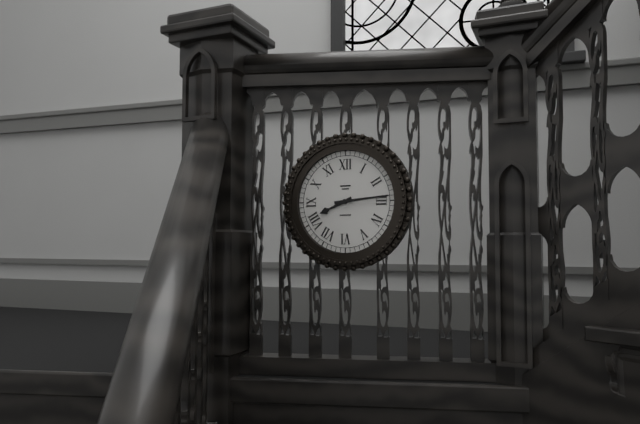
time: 8:14
